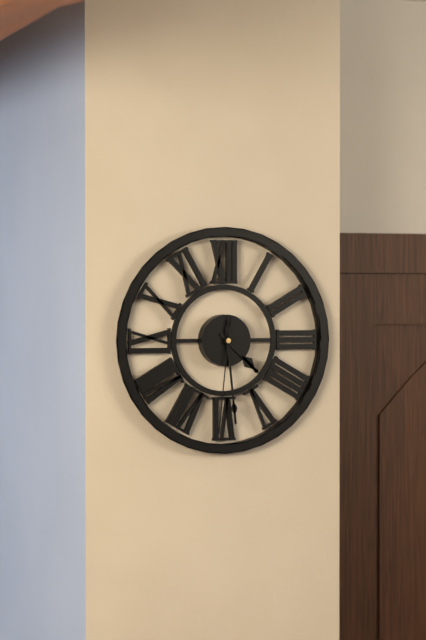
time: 4:29:31
